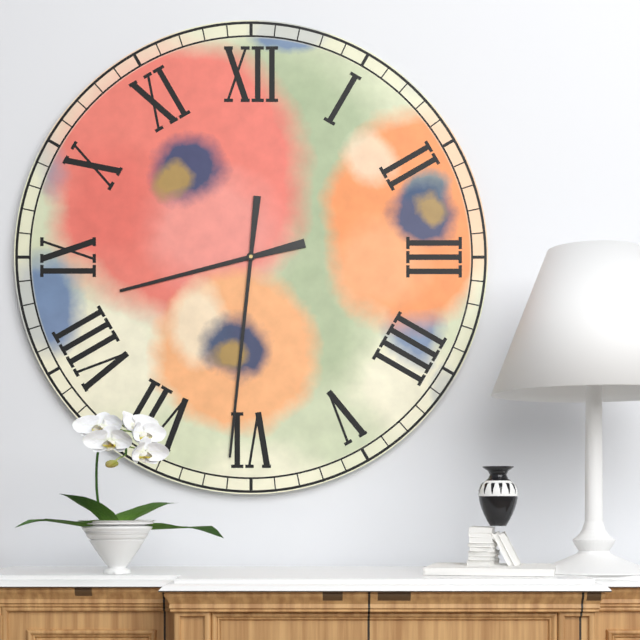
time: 8:31
